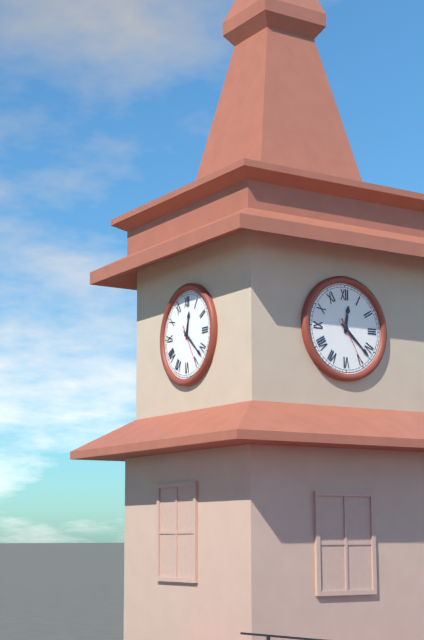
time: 12:22
